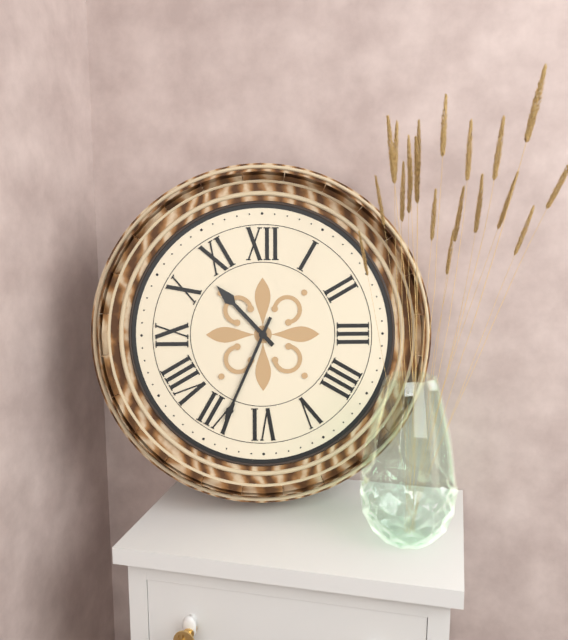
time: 10:34
